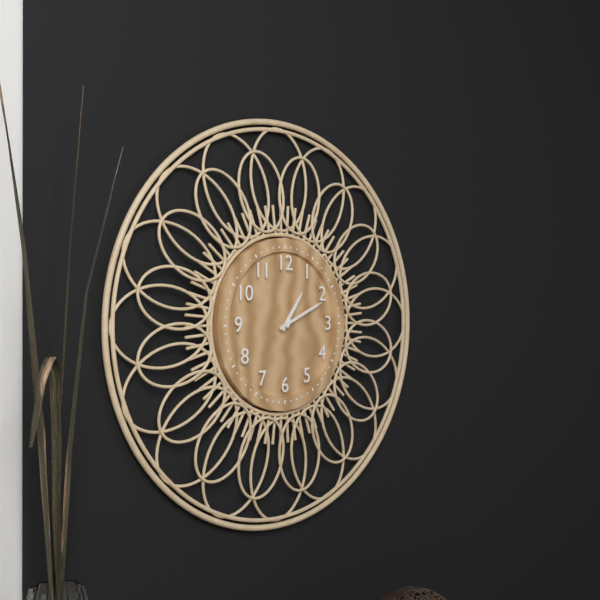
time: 1:11
